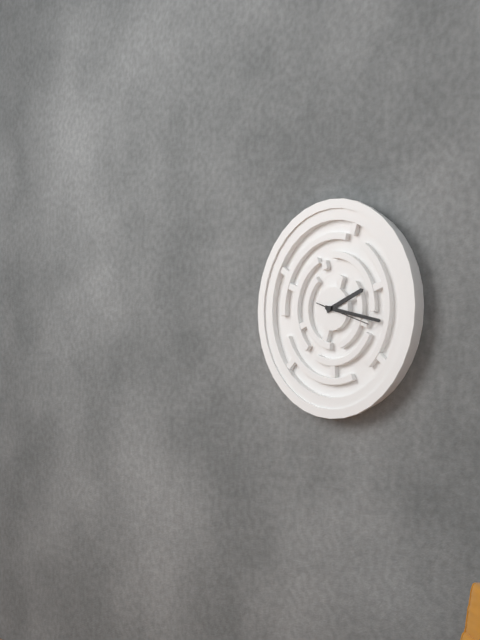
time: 2:17:18
